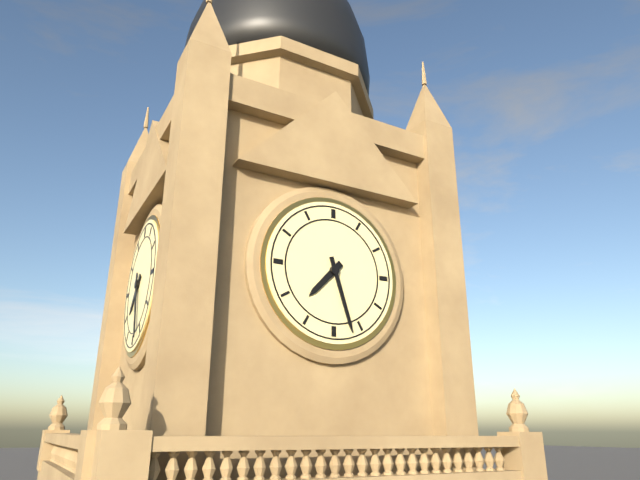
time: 7:27
